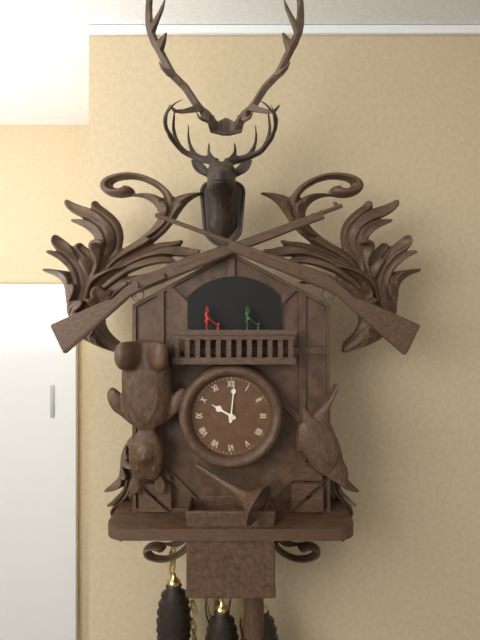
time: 10:01
